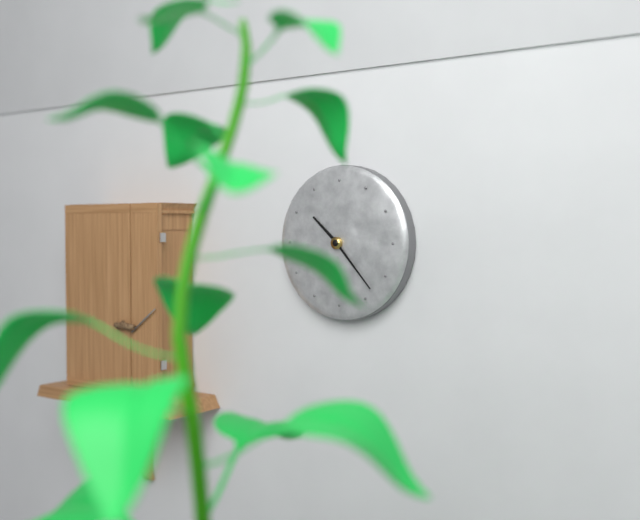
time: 10:23
